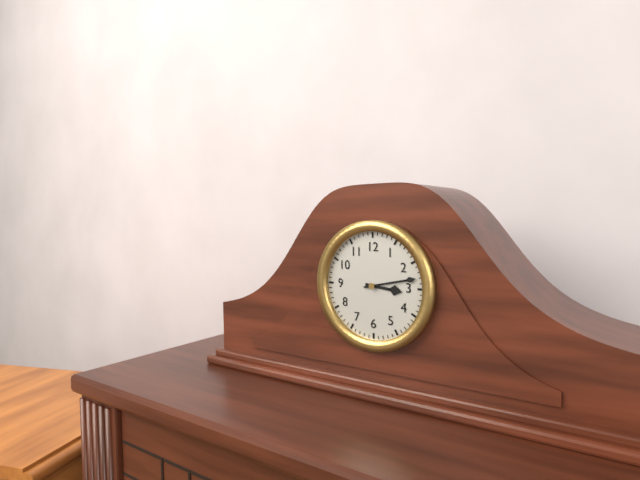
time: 3:13
